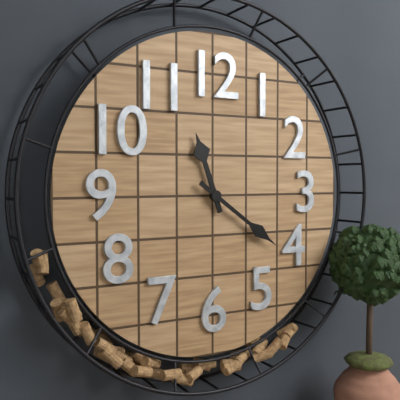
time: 11:21
